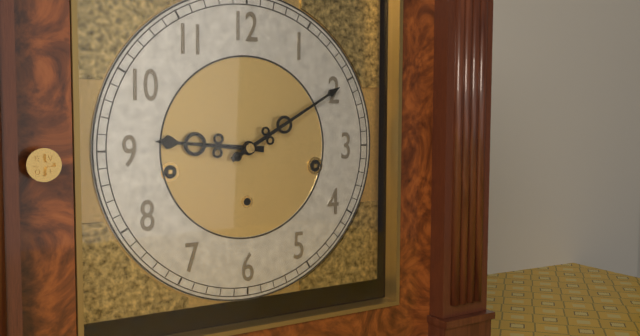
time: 9:10
